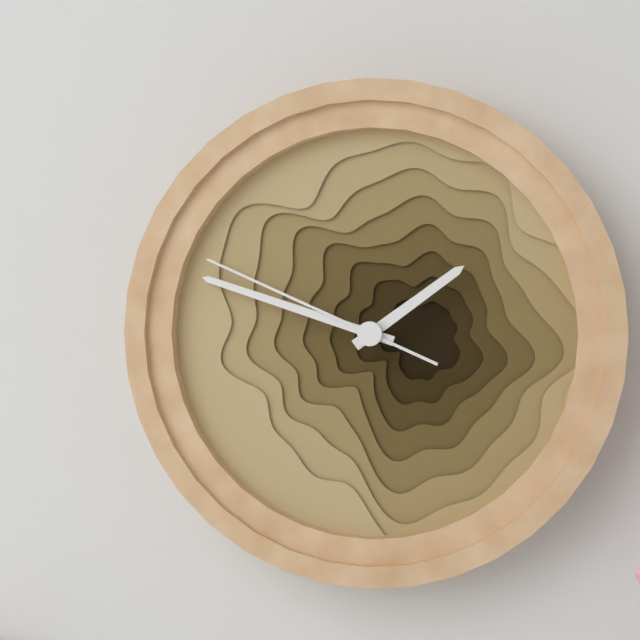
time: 1:48:49
